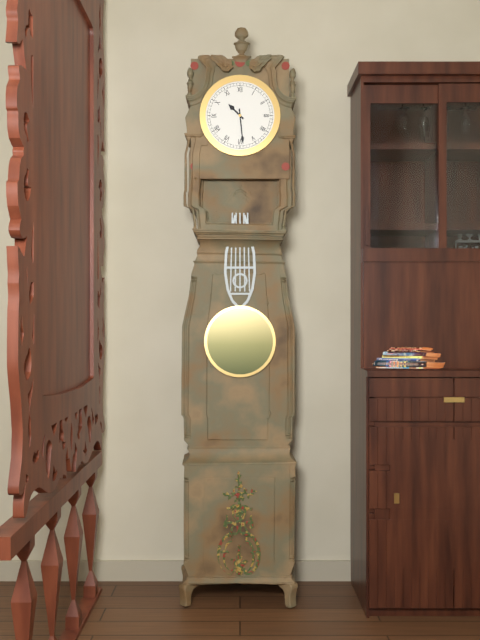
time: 10:29
